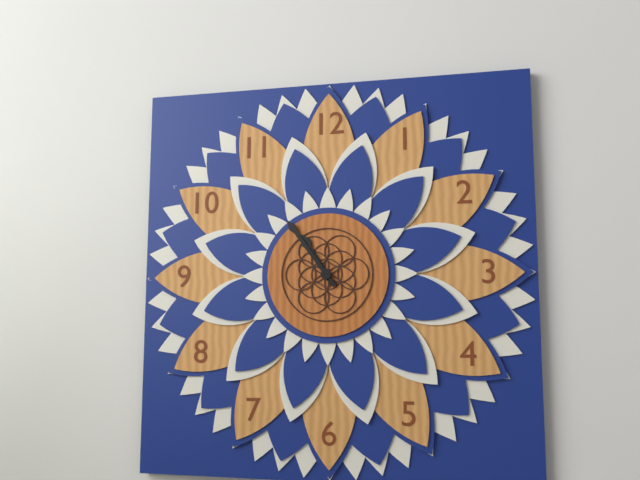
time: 10:54
